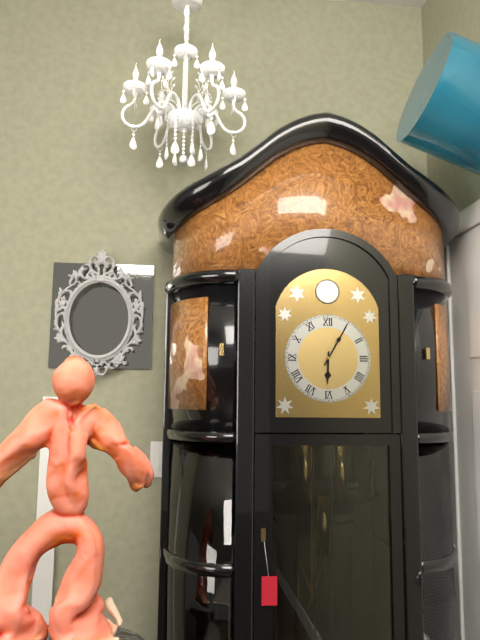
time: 6:05
